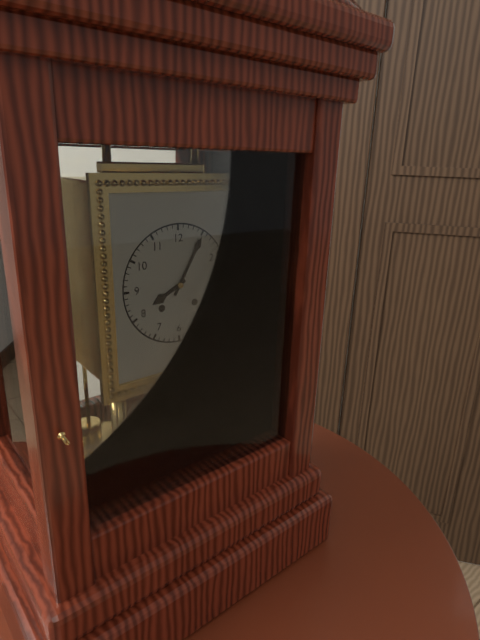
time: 8:05
